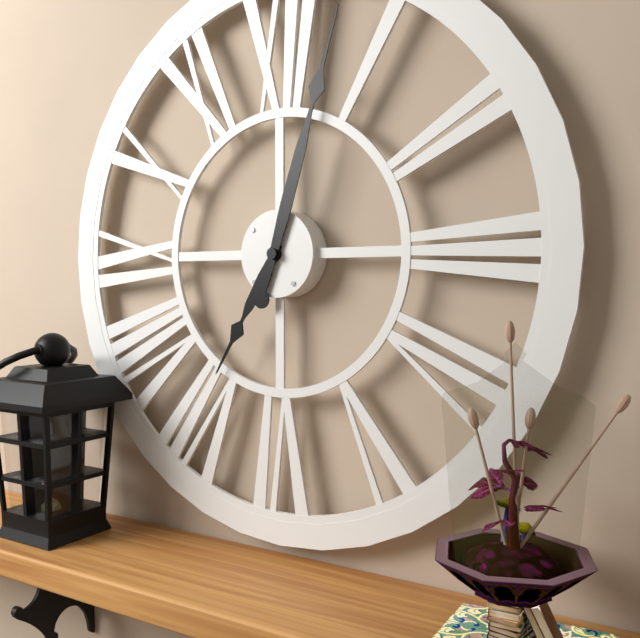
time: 7:03
